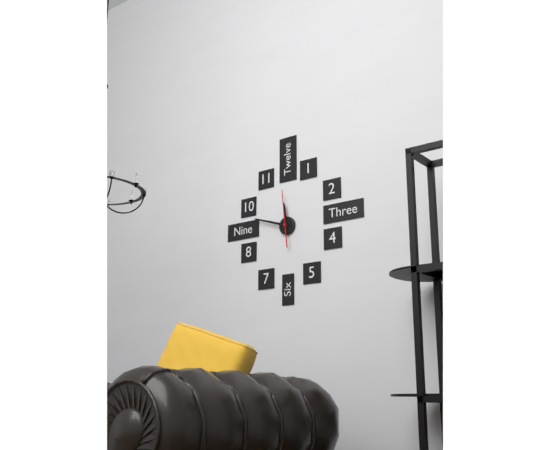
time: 11:48
